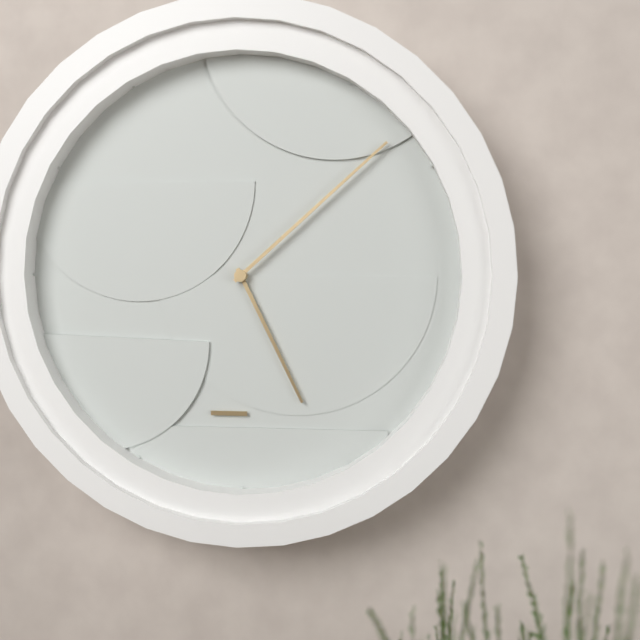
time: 5:08
